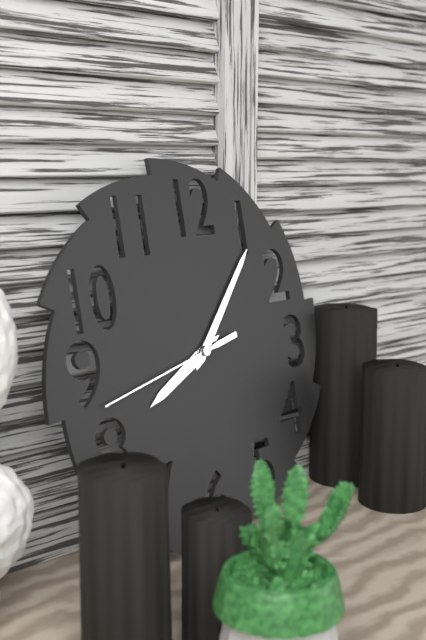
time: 8:07:43
